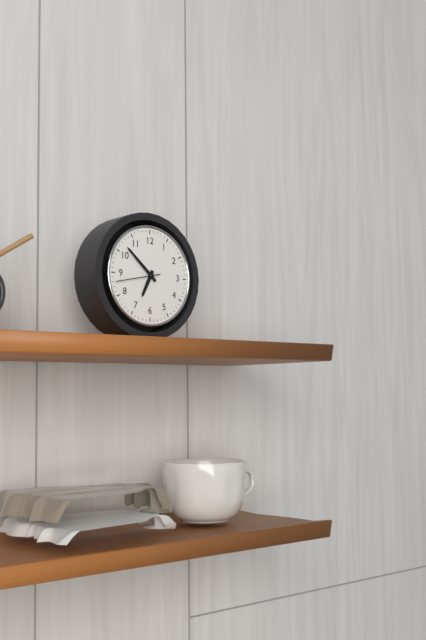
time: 6:52
